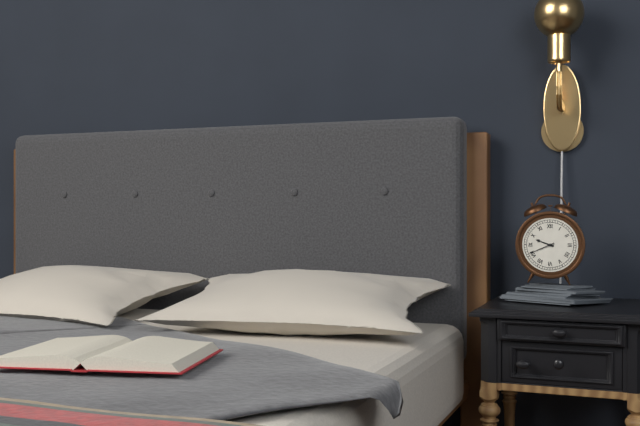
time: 9:41
